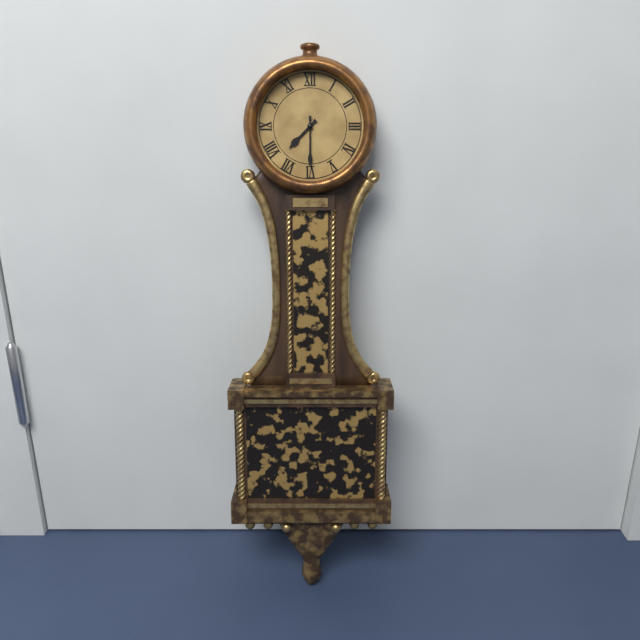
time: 7:30
